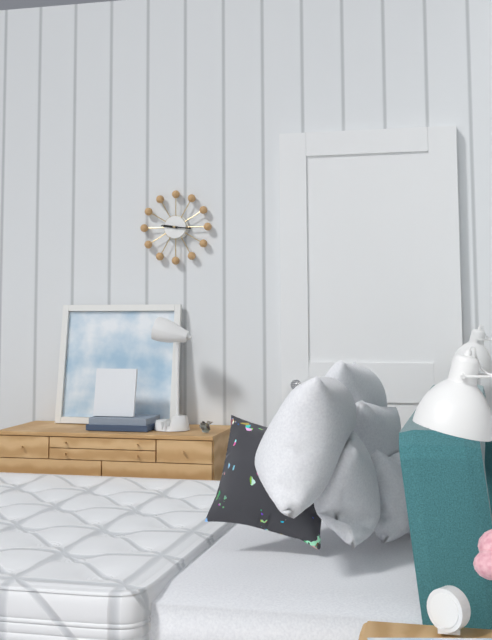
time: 9:16
